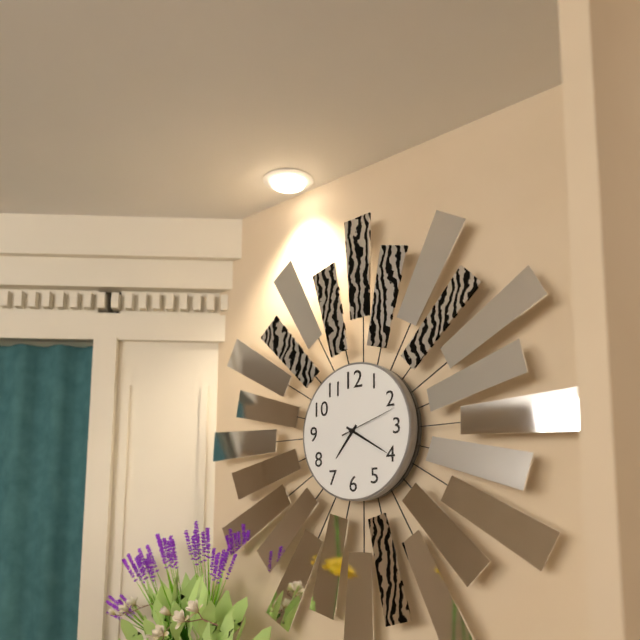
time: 7:20:12
